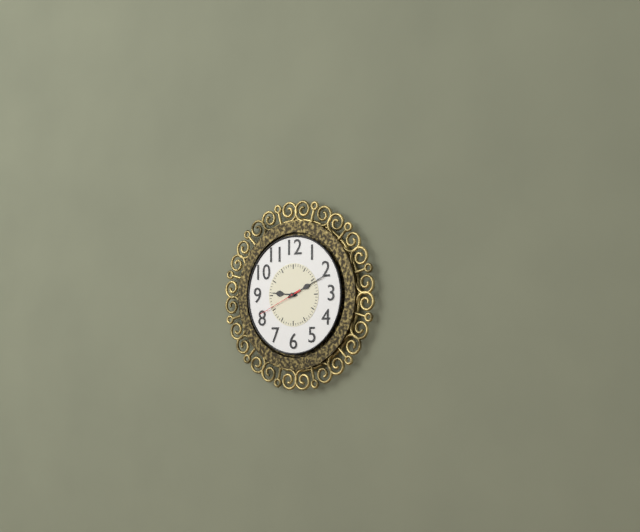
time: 9:11
